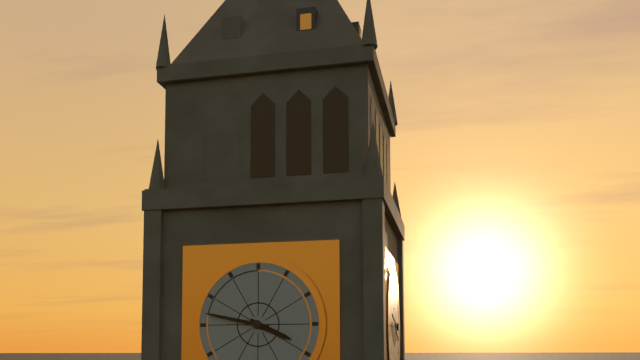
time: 3:47
